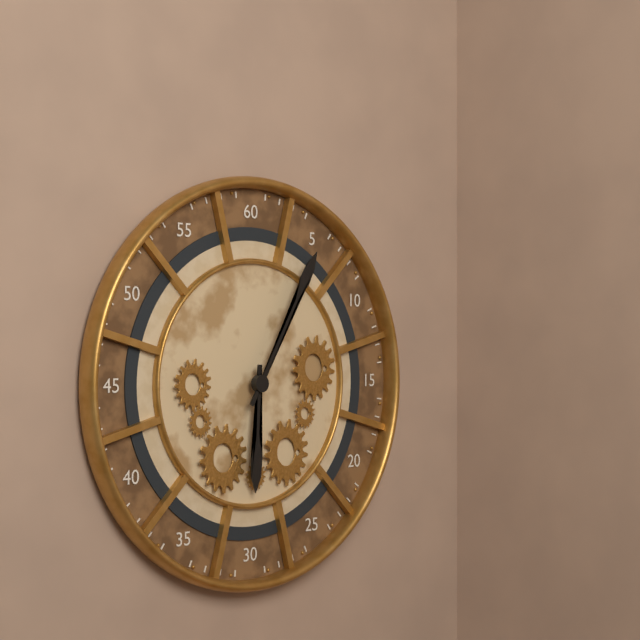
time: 6:05
